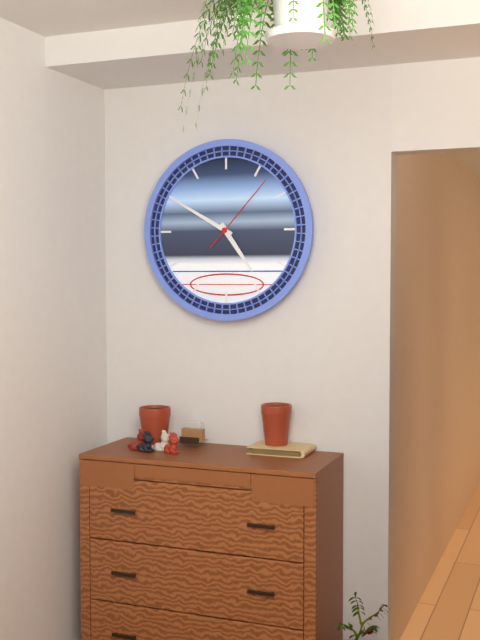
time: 4:50:07
